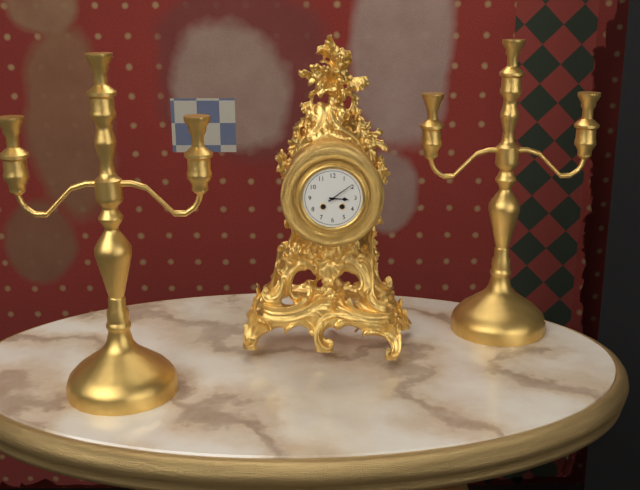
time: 3:09
